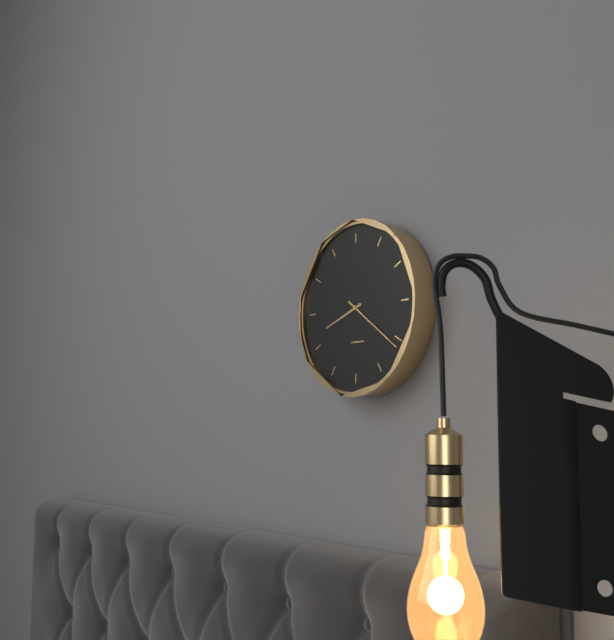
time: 8:21
